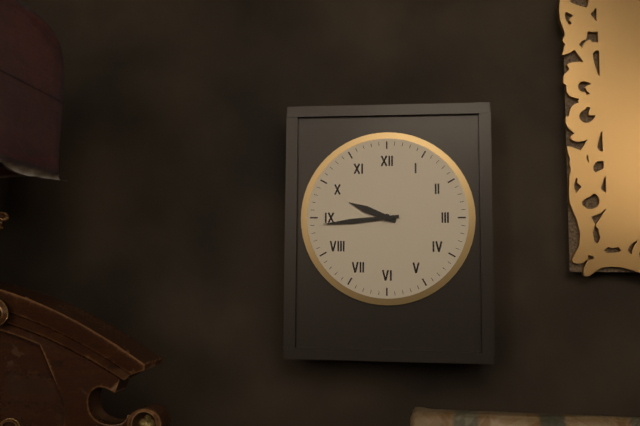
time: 9:44
